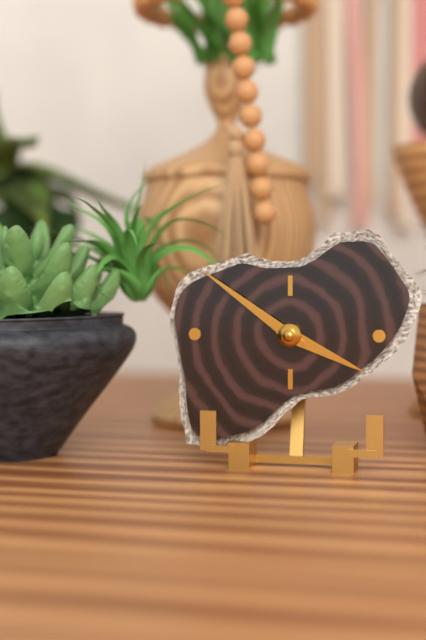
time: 3:51
